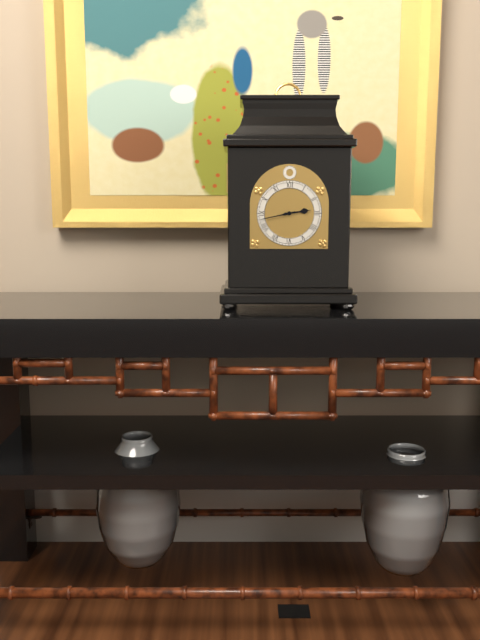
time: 2:43
